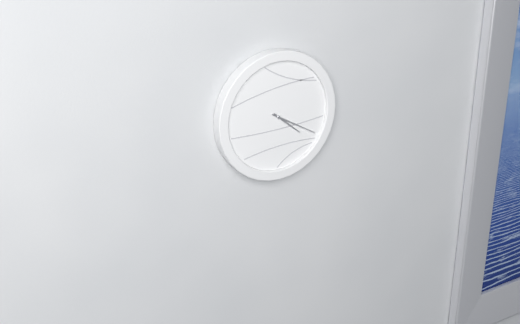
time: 4:20
